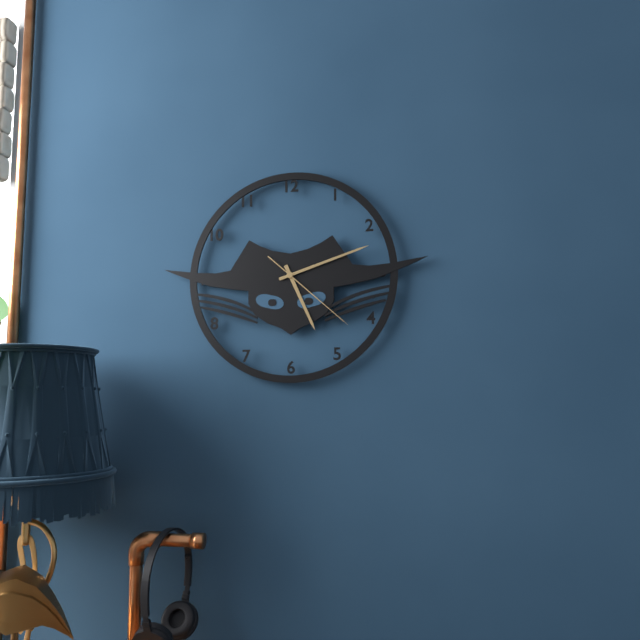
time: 5:12:22
